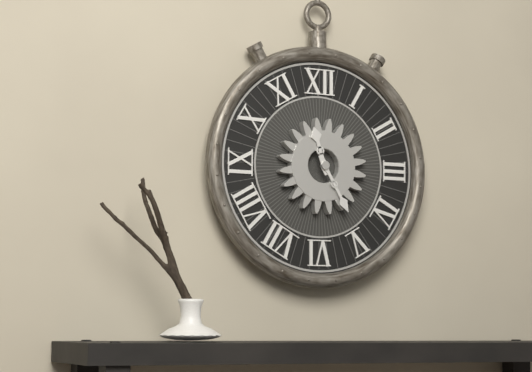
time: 11:25
